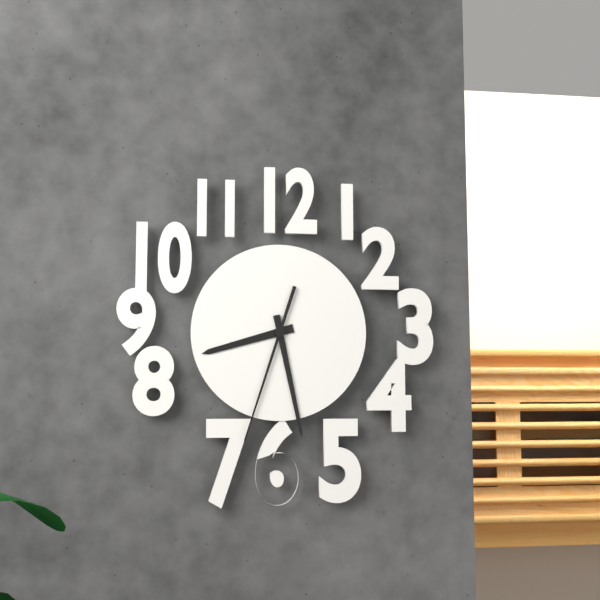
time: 8:28:33
